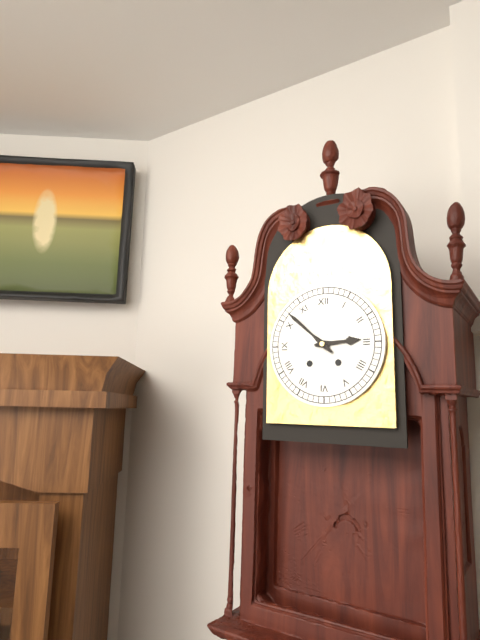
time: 2:52
